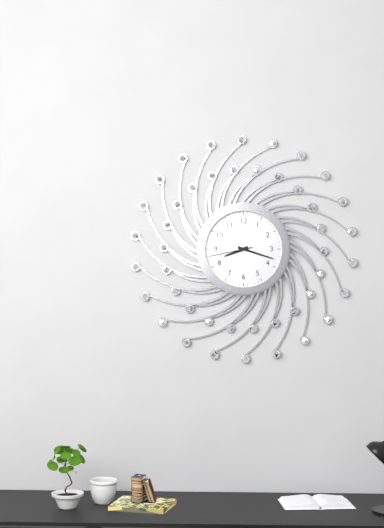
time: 8:18
